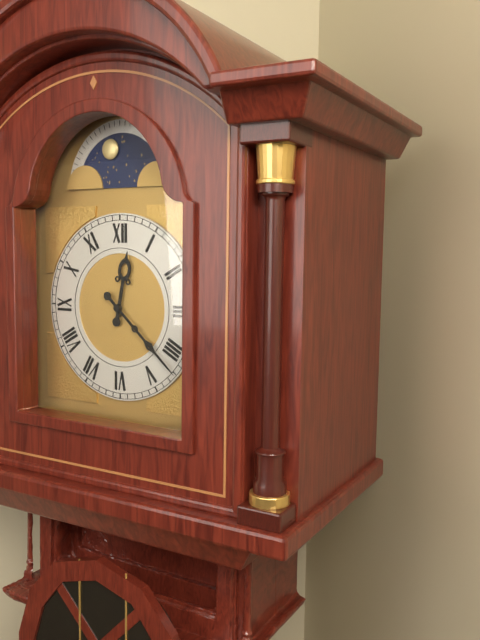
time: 12:22
